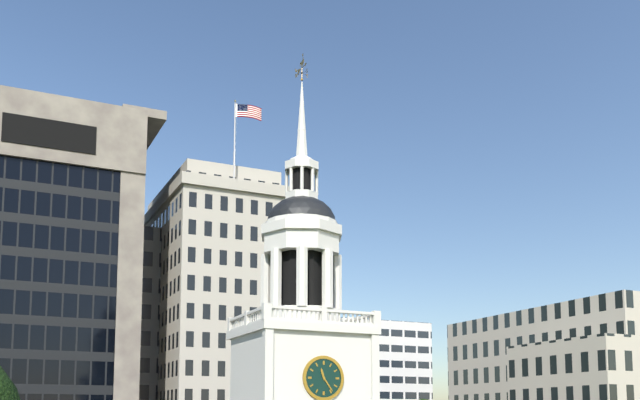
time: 11:24
